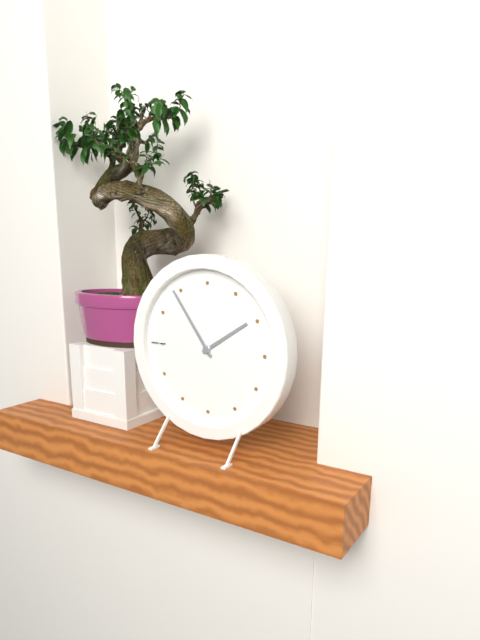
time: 1:54
